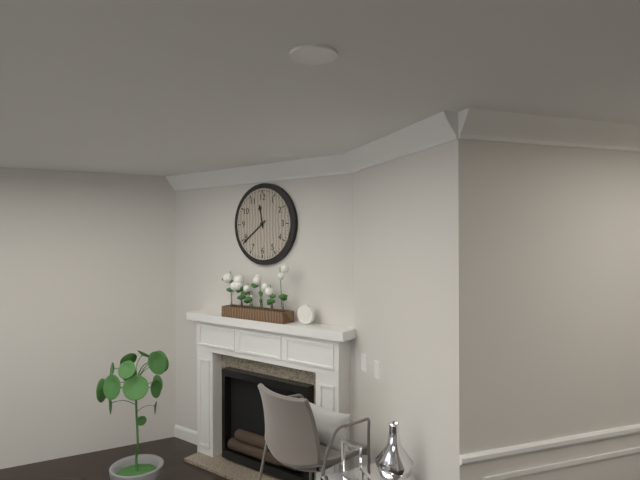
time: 11:39
